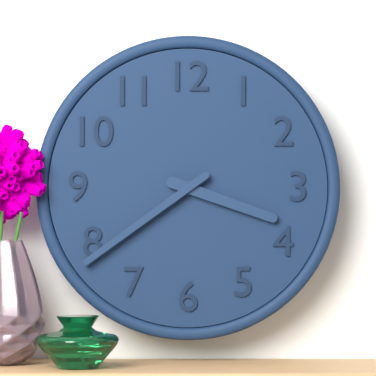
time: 3:39
